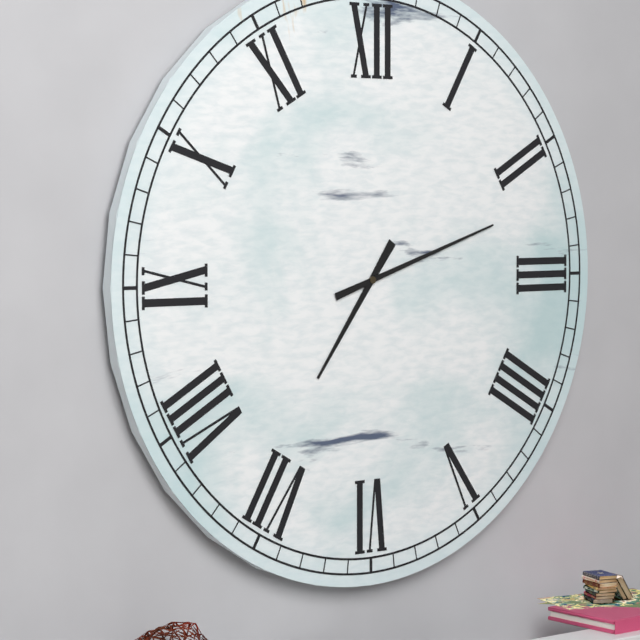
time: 7:12
